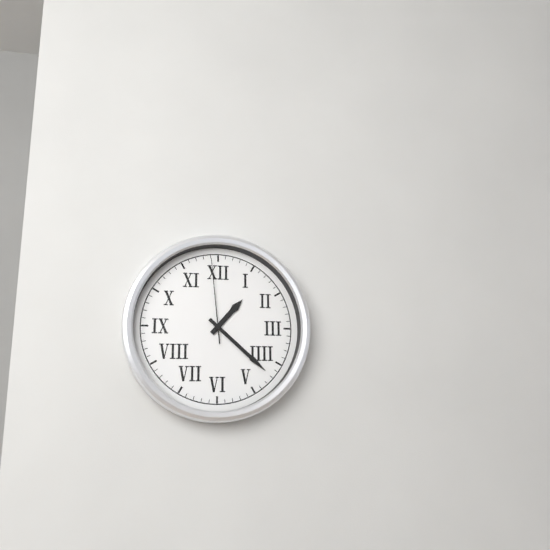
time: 1:22:59
